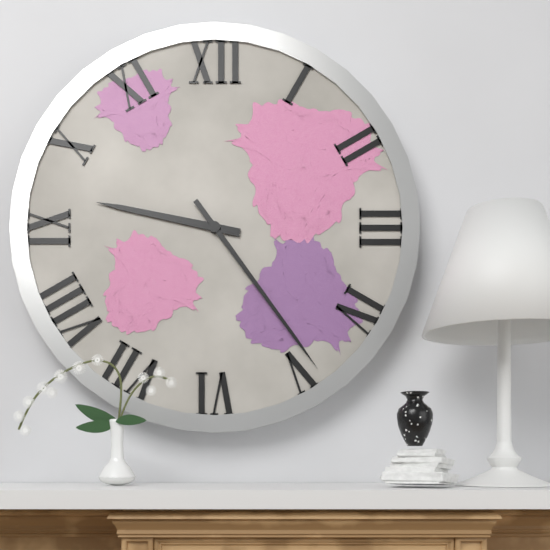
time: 9:24
